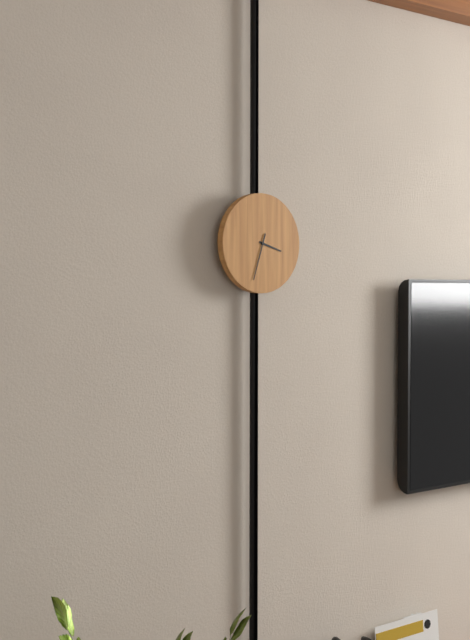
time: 3:33
